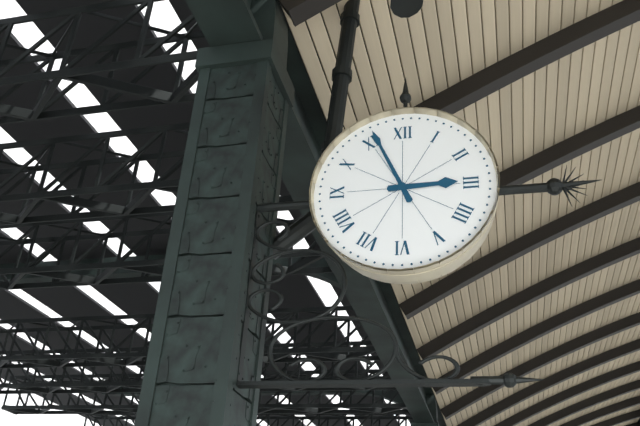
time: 2:56
